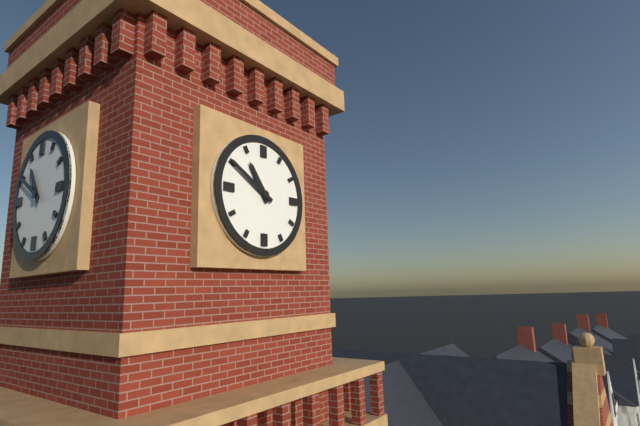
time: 10:50
